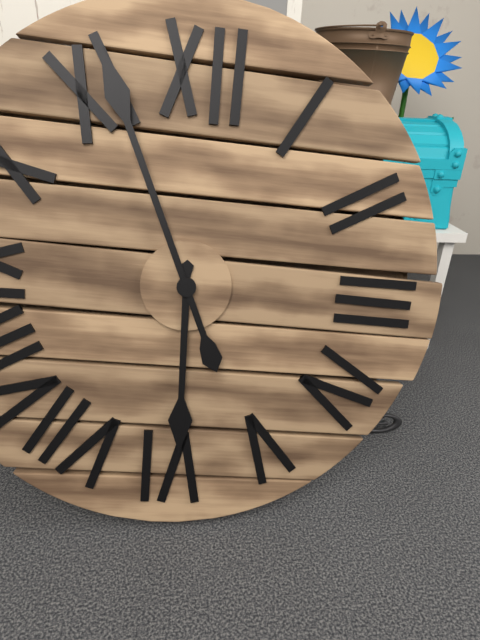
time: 5:56
